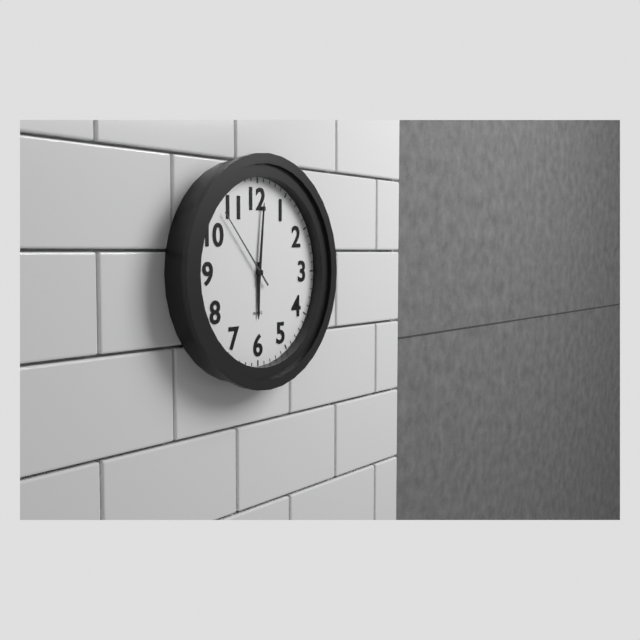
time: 6:01:53
